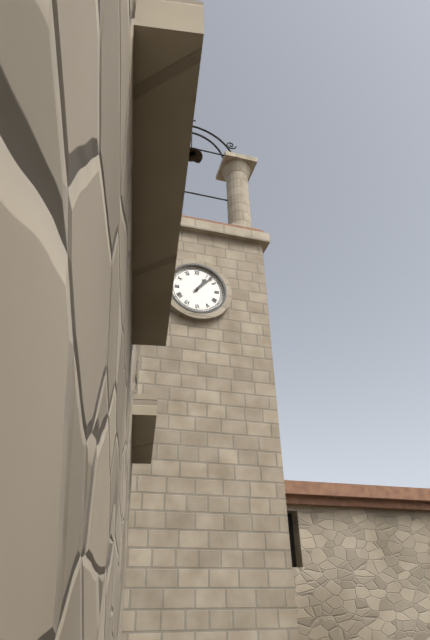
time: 1:07
